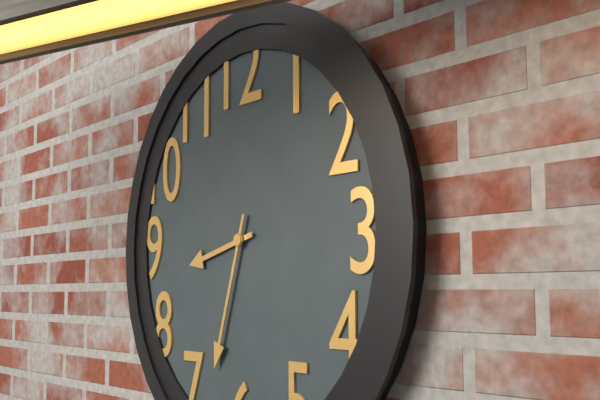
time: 8:33
